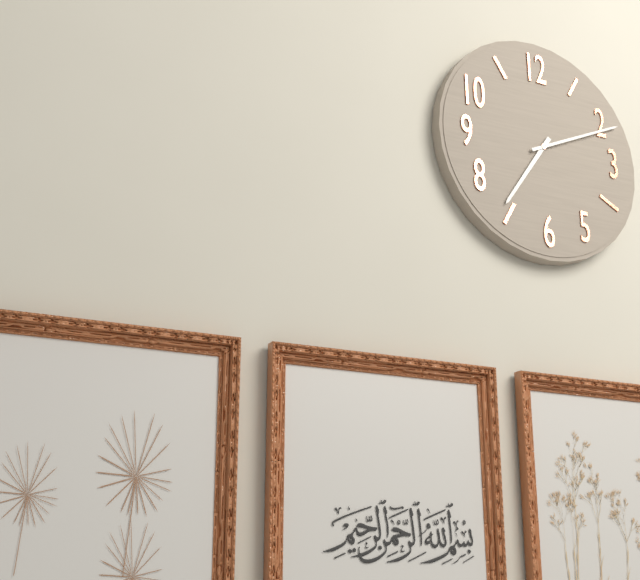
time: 7:11
